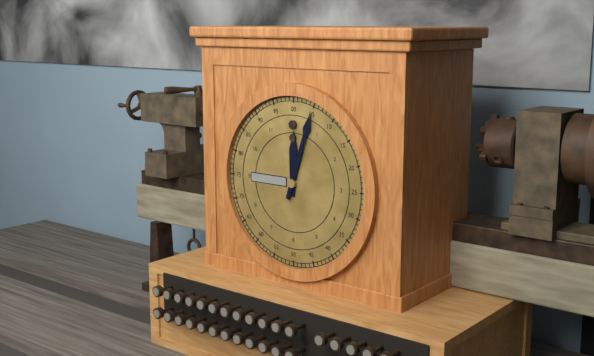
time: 12:03
